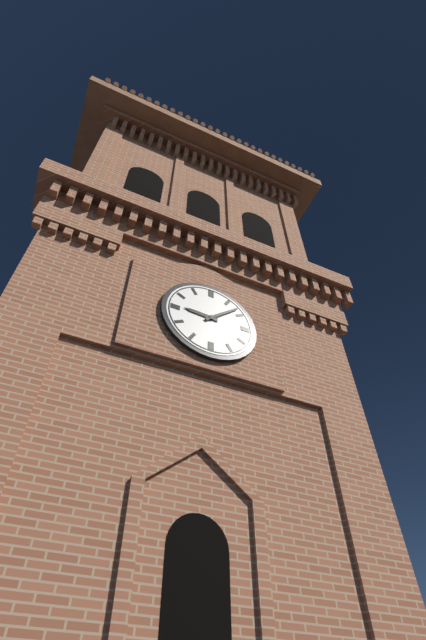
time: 9:08
